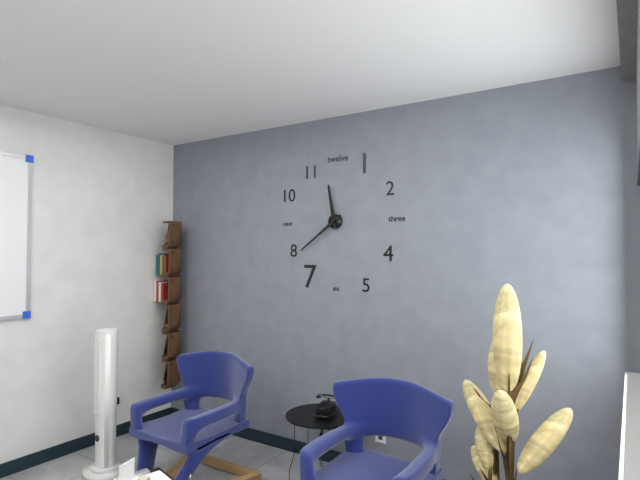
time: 11:39
